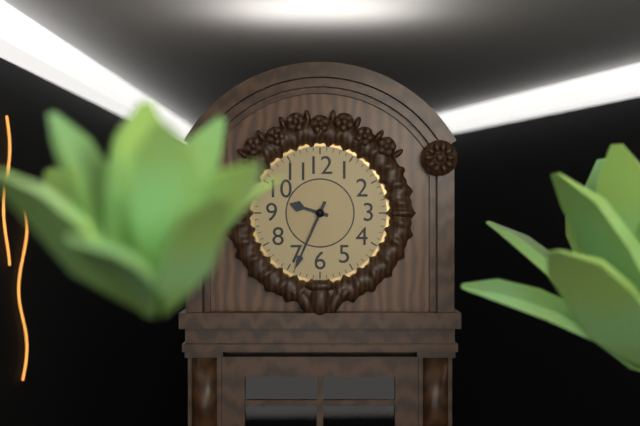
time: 9:34
